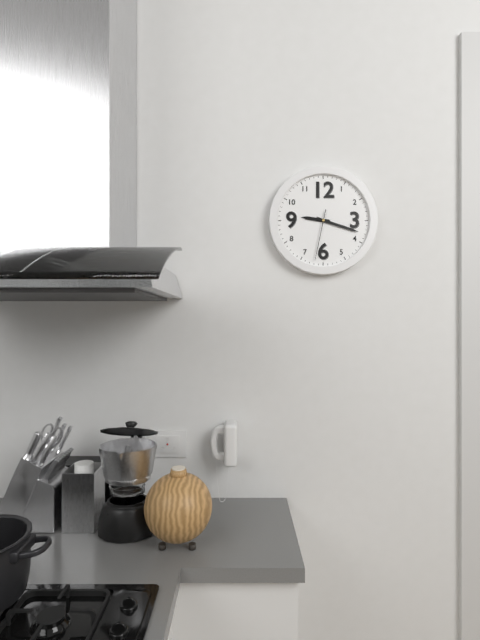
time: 9:18:32
